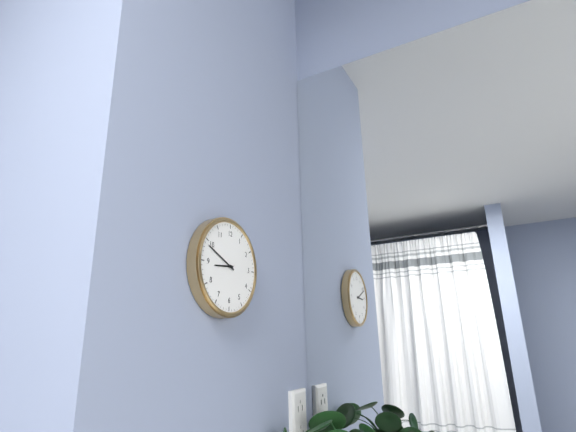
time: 8:49
